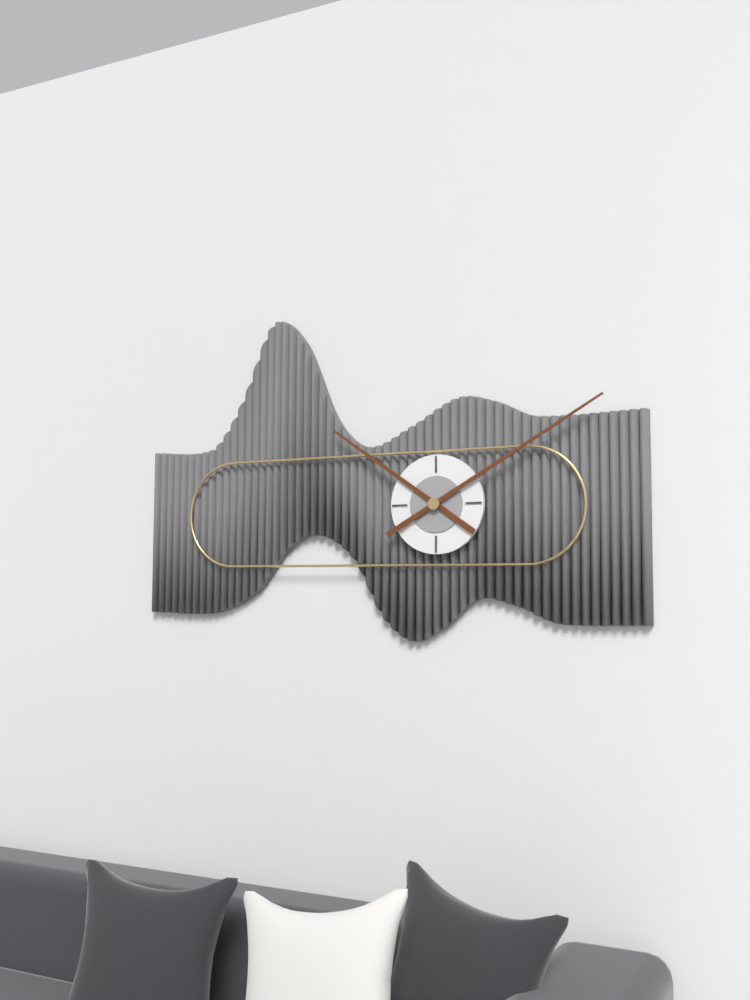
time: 10:10
